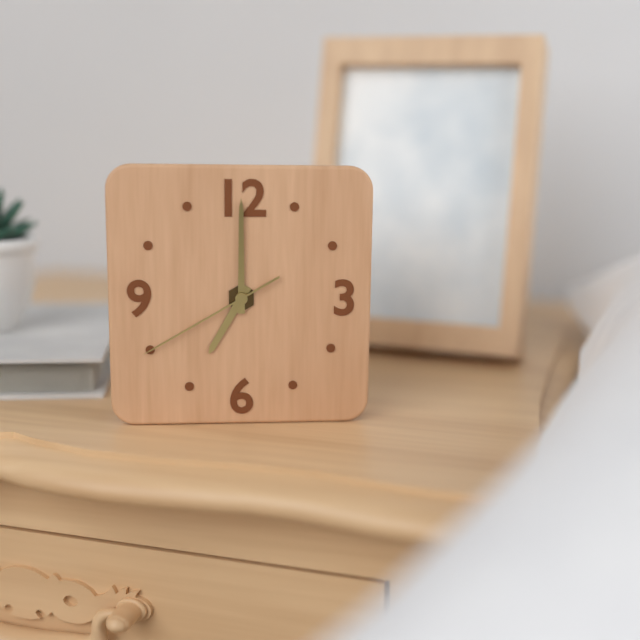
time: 7:00:40
